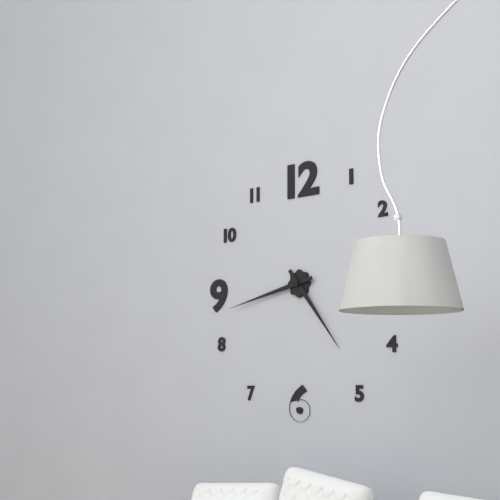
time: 4:43
